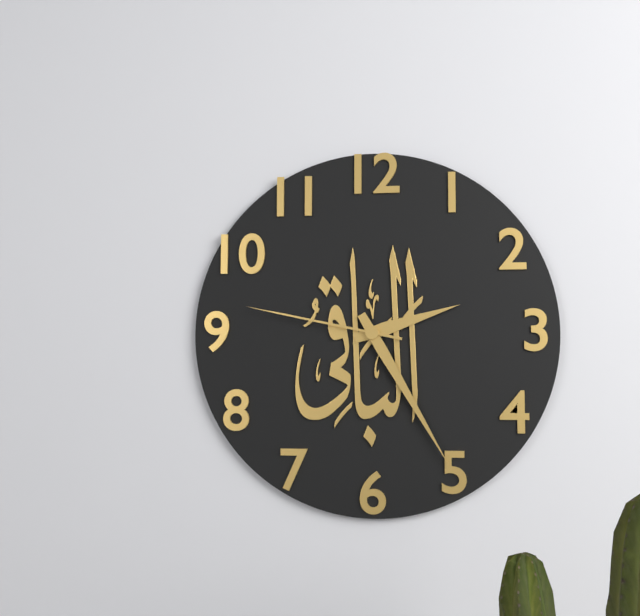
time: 2:25:47
